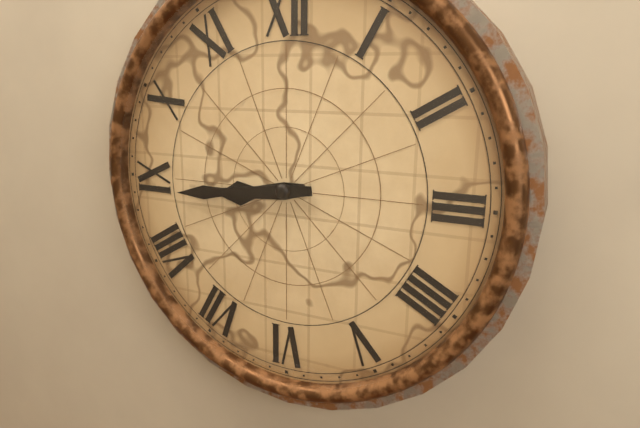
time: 8:44
